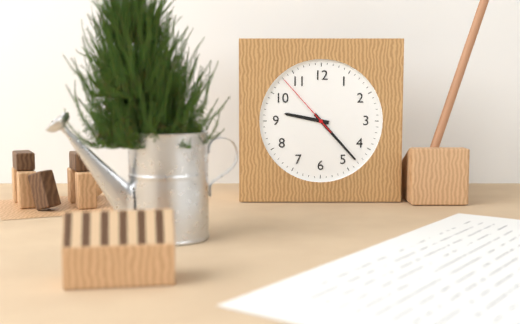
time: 9:23:53
